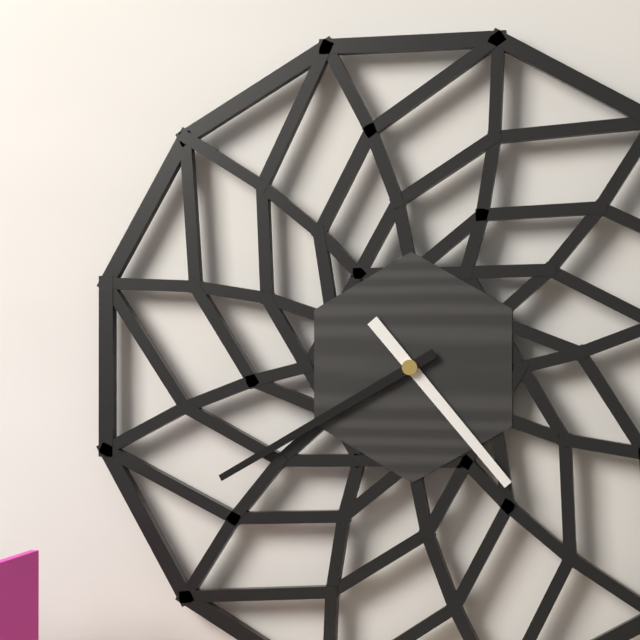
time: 4:40
